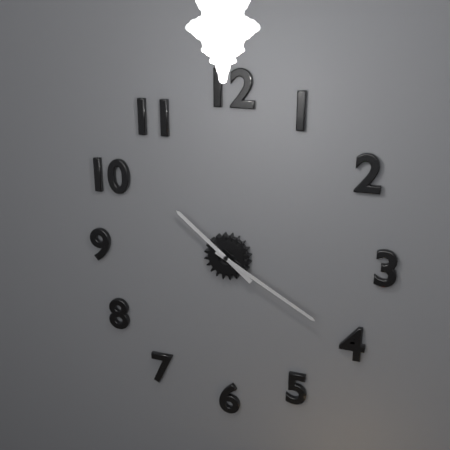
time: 10:20
